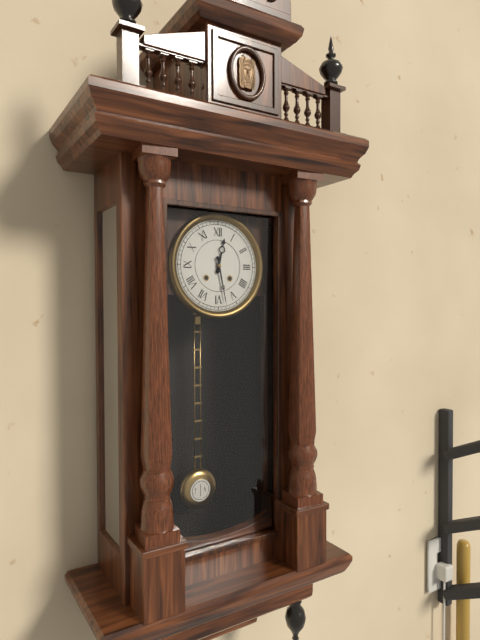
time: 12:28
